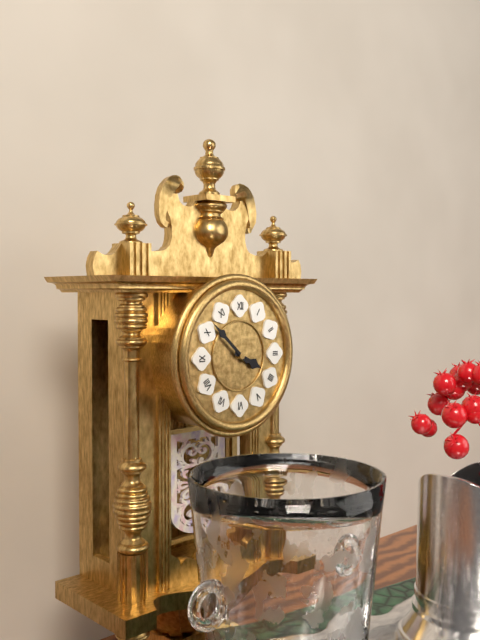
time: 3:52
